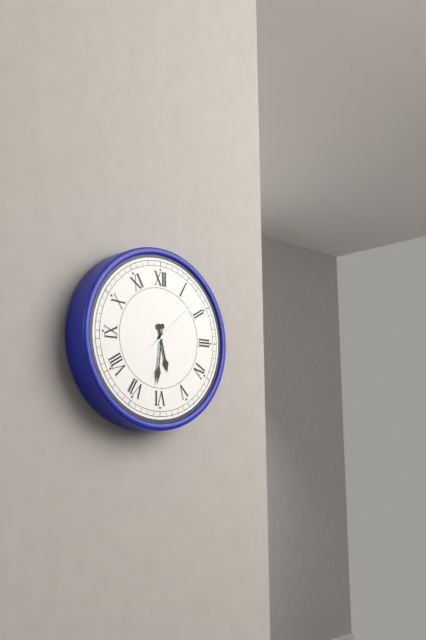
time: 5:31:08
